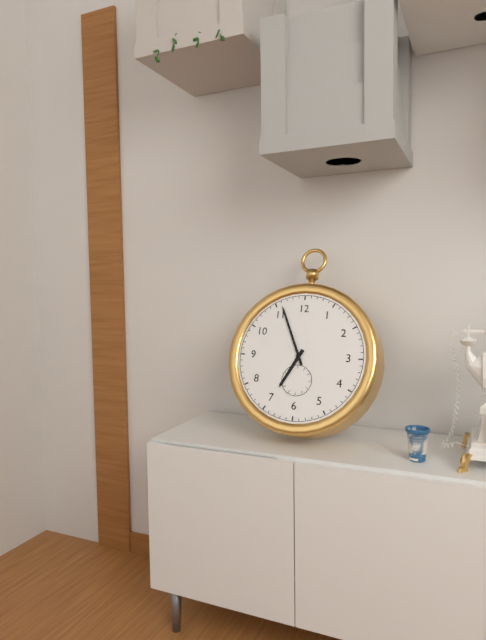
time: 6:56
